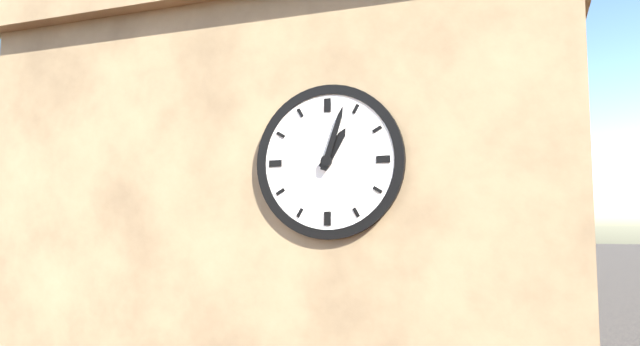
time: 1:03
